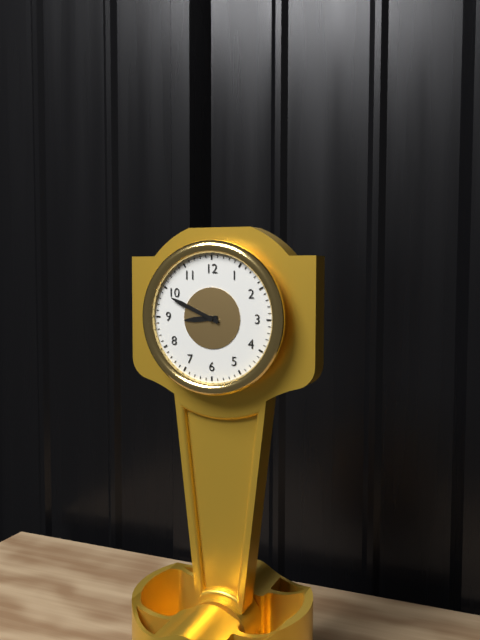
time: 8:49
